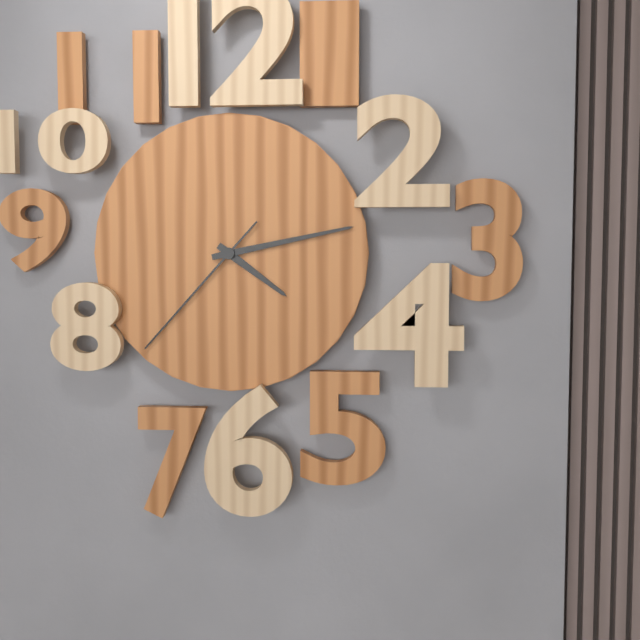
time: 4:13:37
